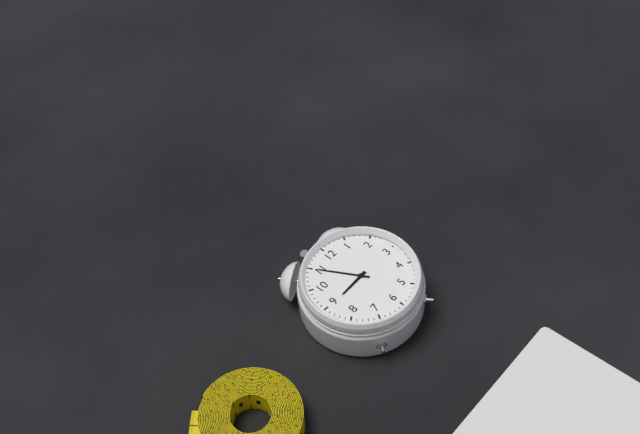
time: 8:55
